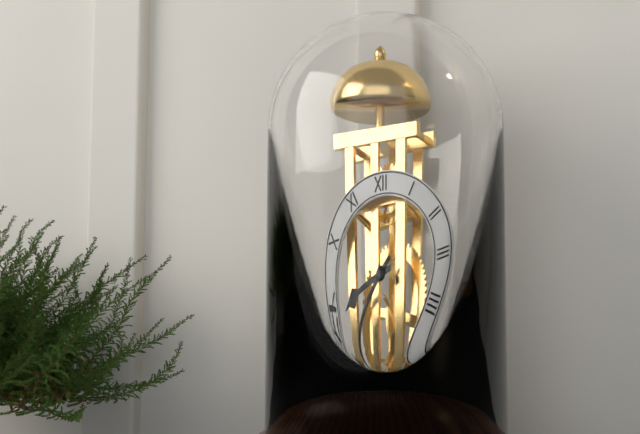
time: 8:38
